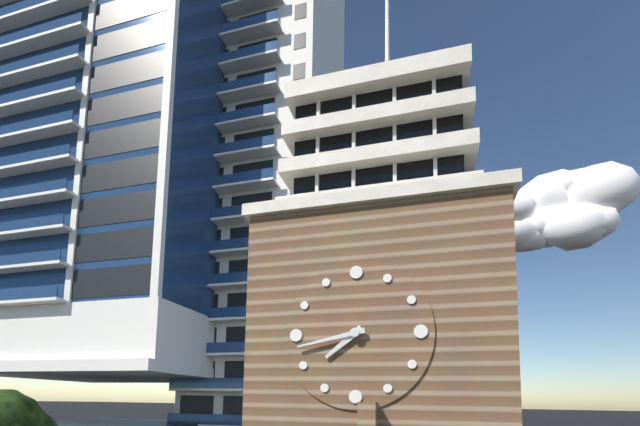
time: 7:43
